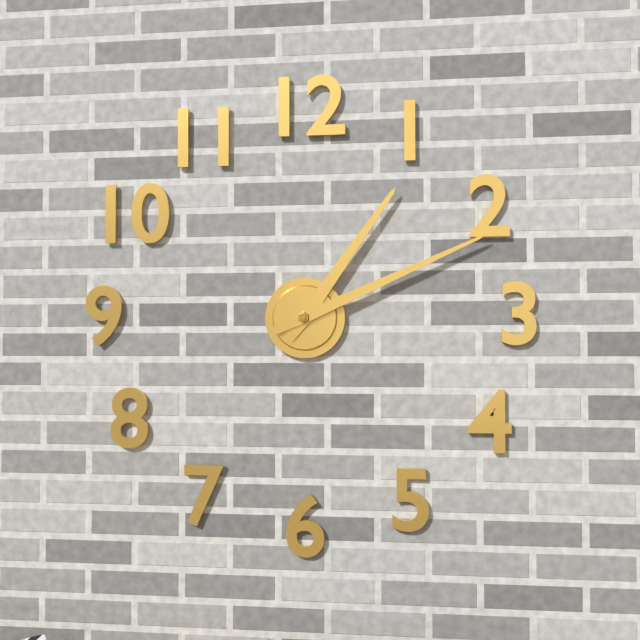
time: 1:11
